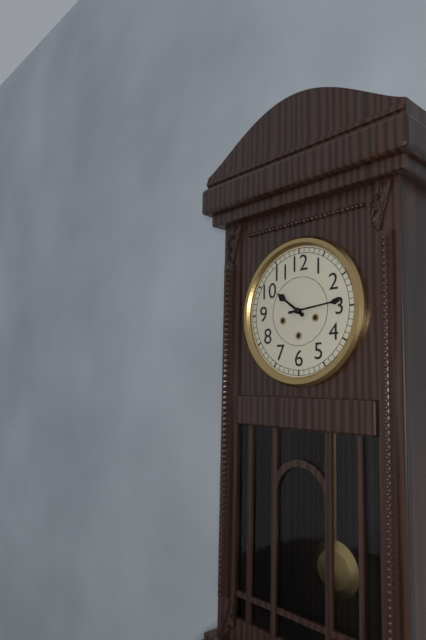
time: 10:14
